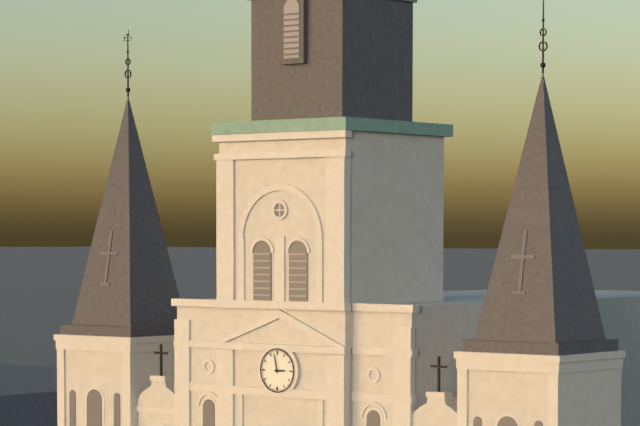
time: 2:58
